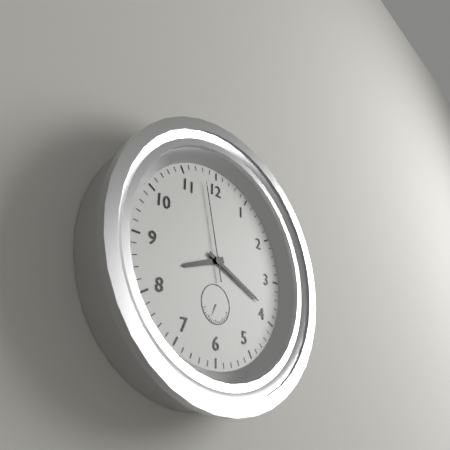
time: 8:19:58
